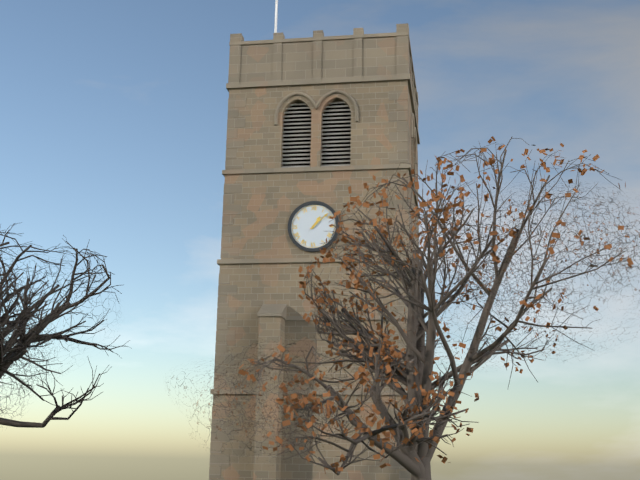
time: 1:08
